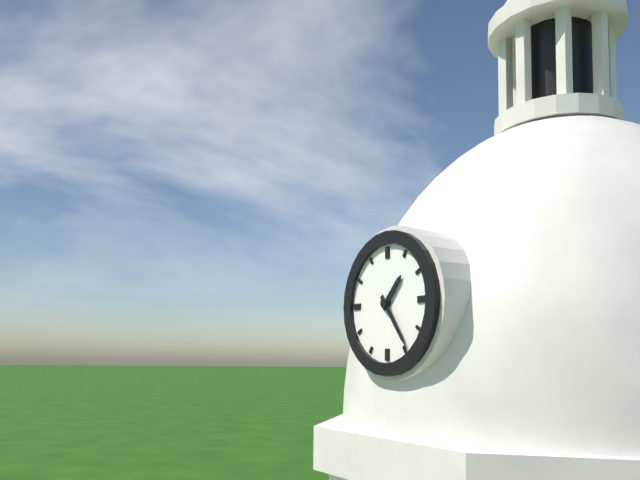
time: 1:24
